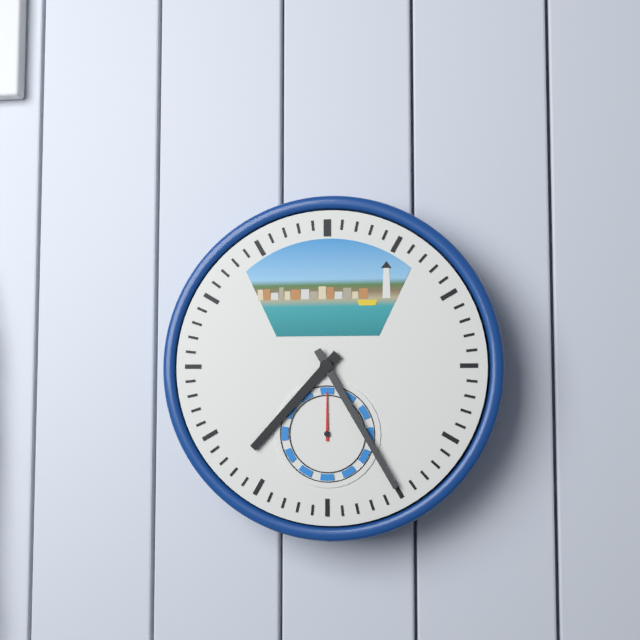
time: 7:25
